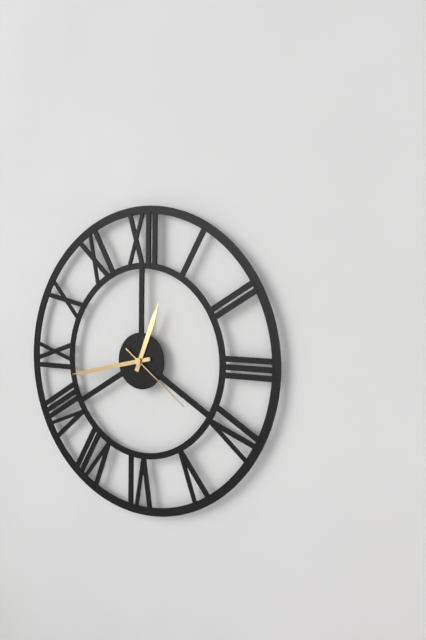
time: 12:43:21
